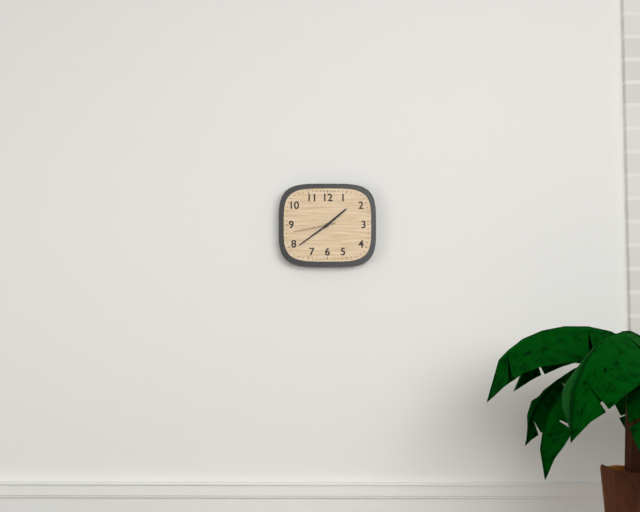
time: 1:39
